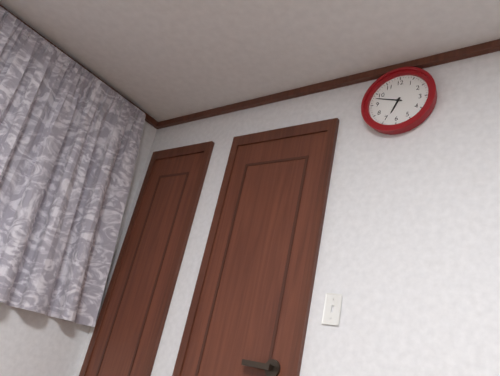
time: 6:48
